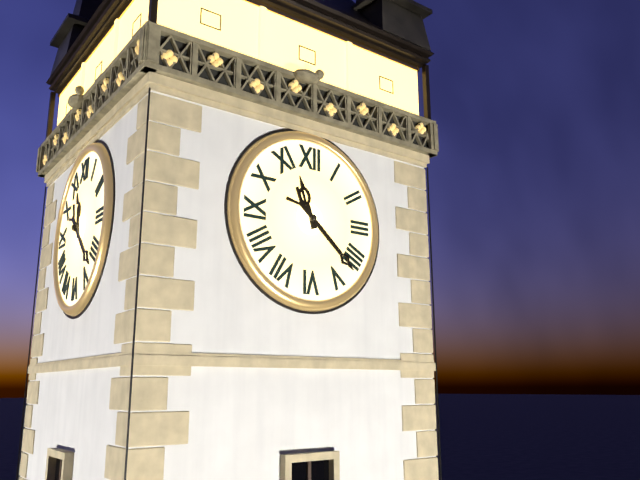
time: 11:22
